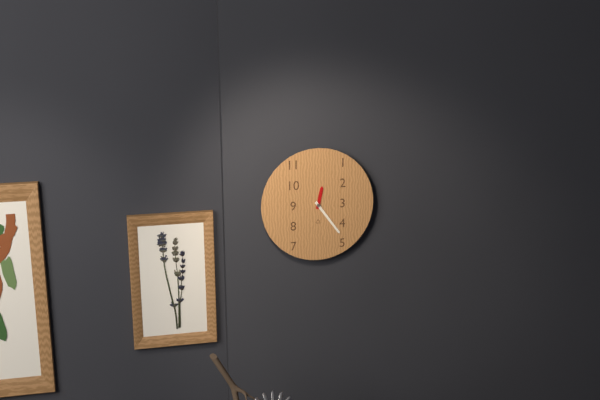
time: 12:24
